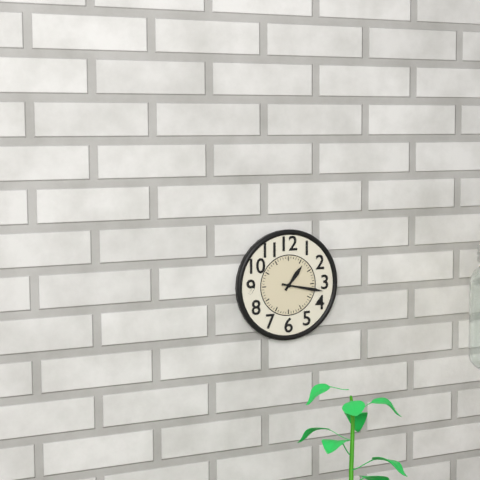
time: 1:17
